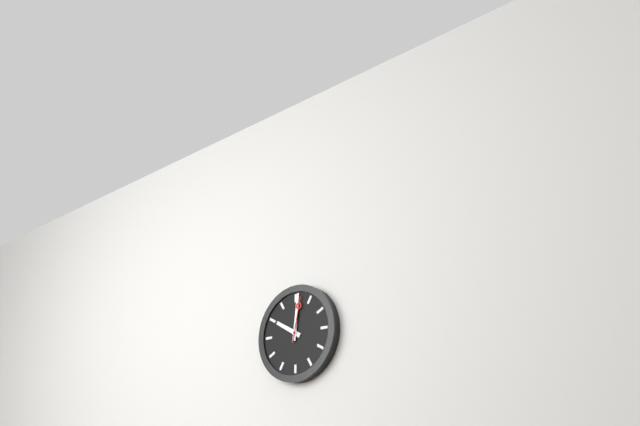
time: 10:01
